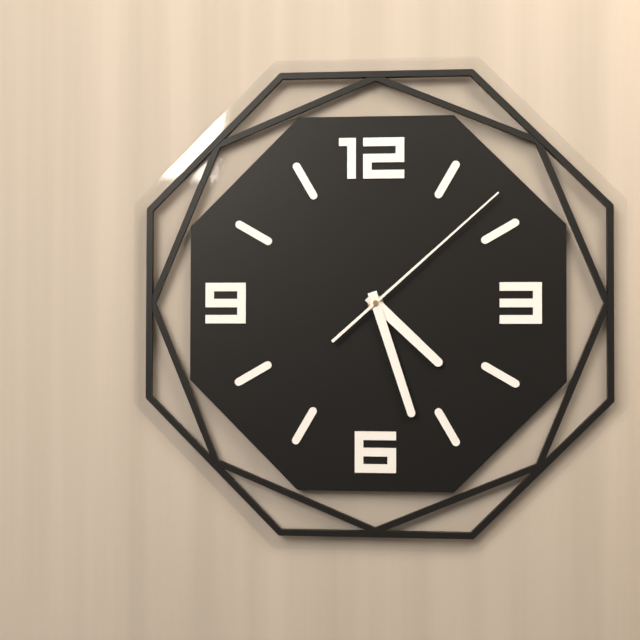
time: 4:27:08
